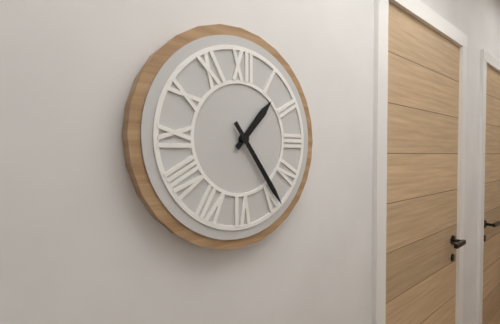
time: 1:24
